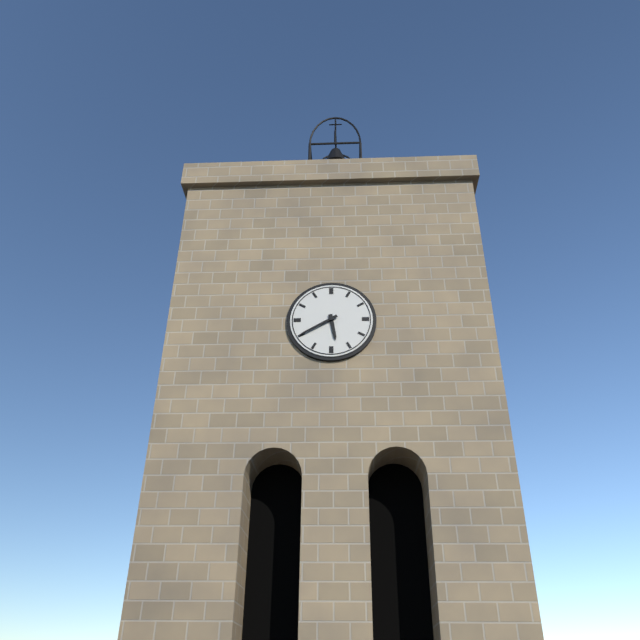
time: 5:40
